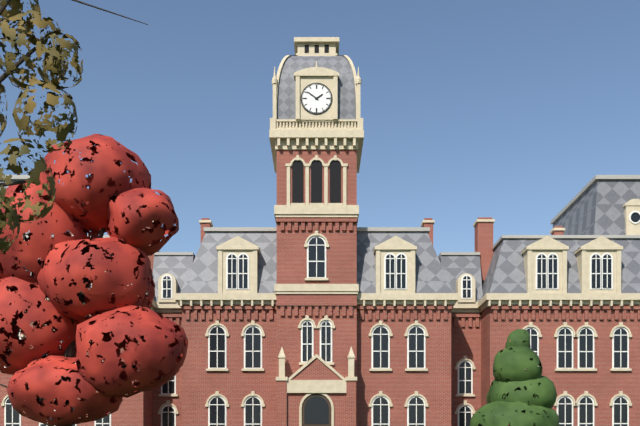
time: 1:51
